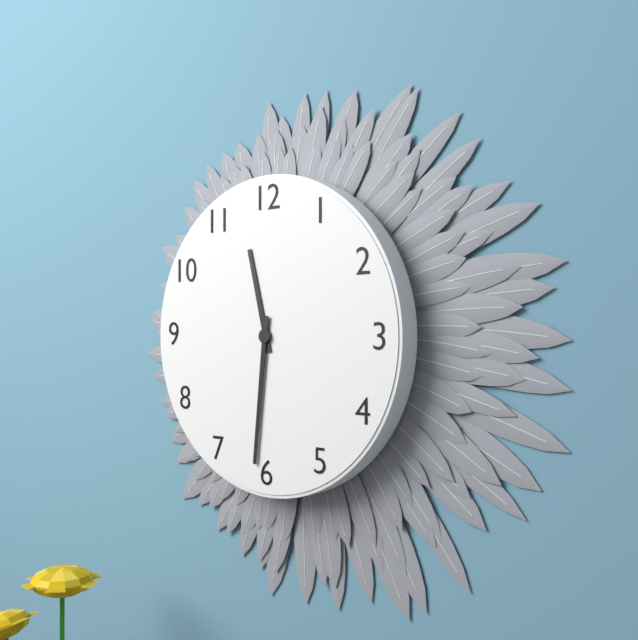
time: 11:31
